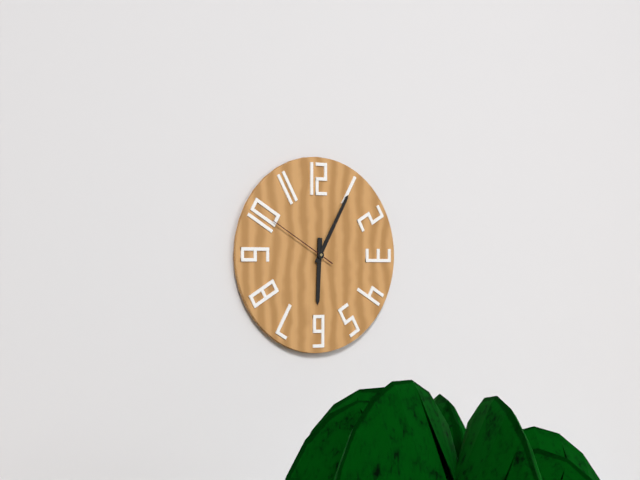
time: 6:05:50
